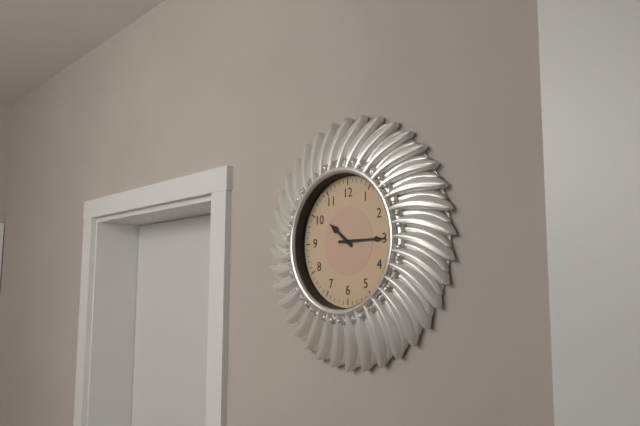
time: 10:15
